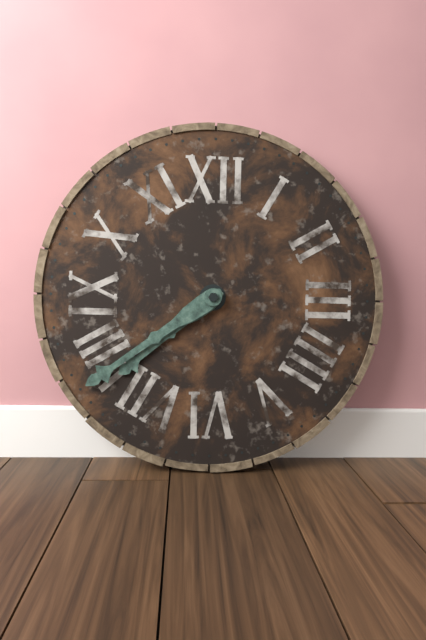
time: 7:39
